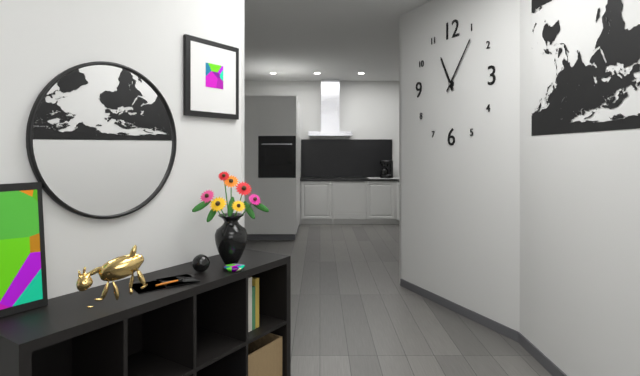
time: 11:06
